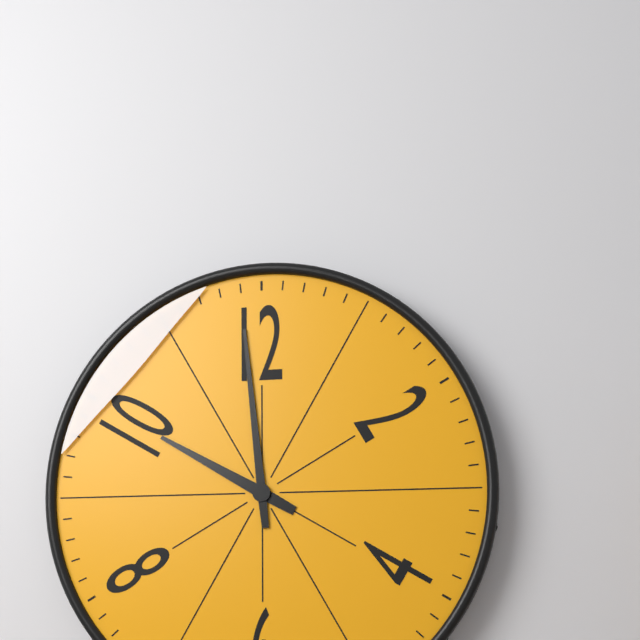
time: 9:59
